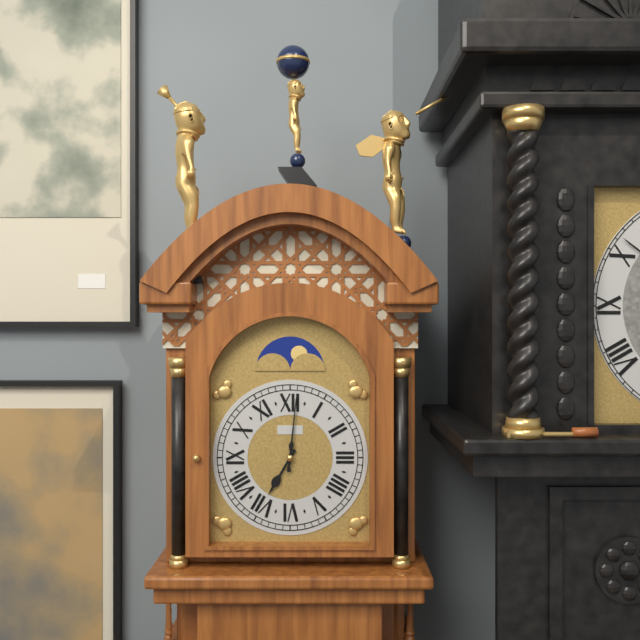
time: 7:01
